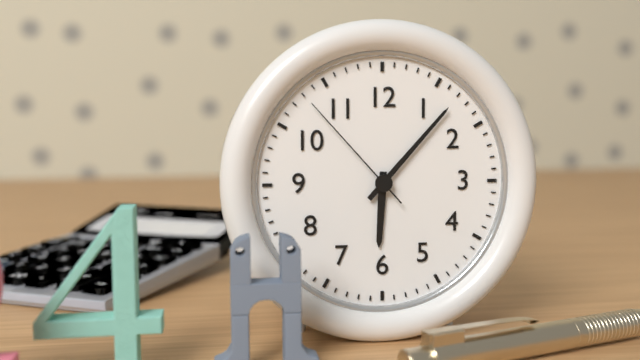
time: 6:07:53
